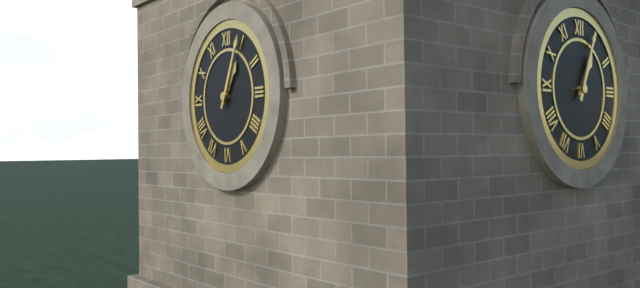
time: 1:04
